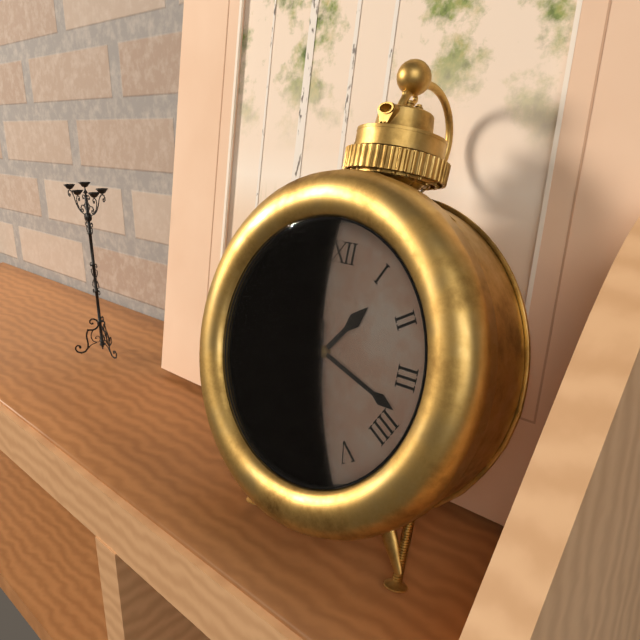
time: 1:18:28
